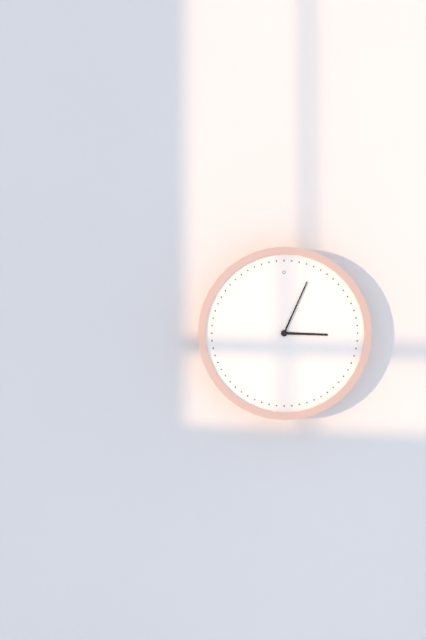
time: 3:04
